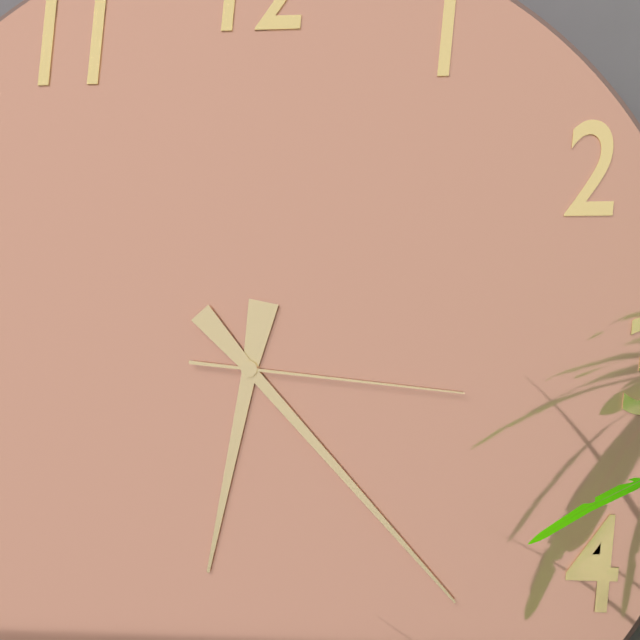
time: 6:23:16
